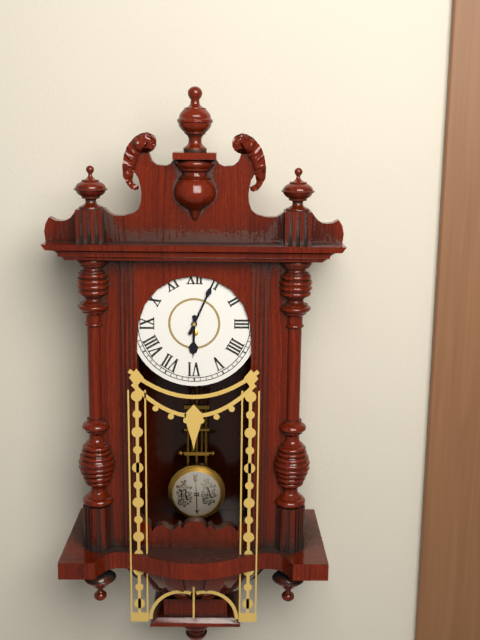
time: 6:04
